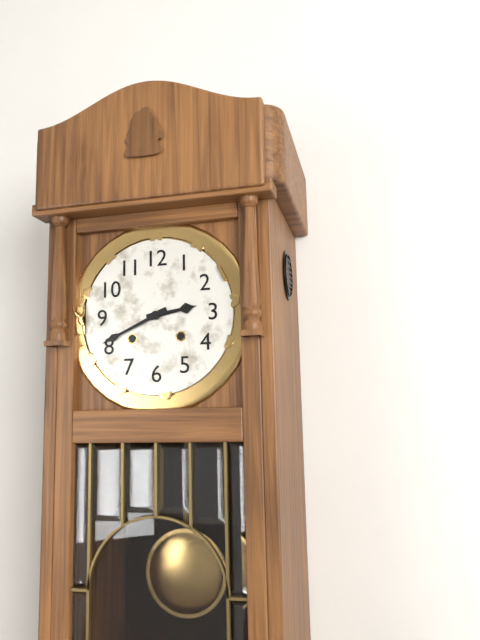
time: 2:41
